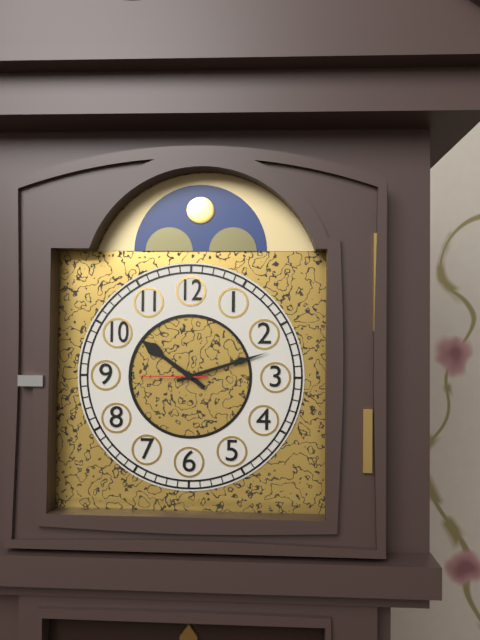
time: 10:12:45
